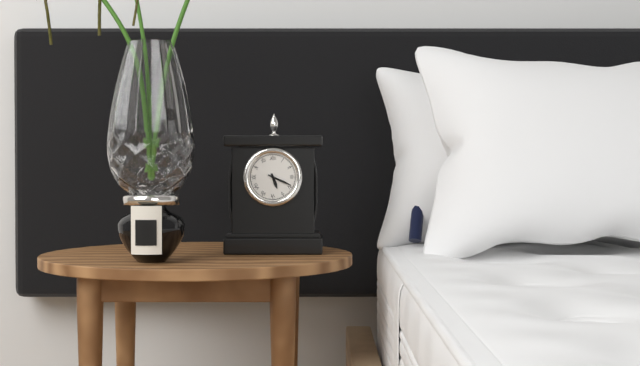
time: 5:19
